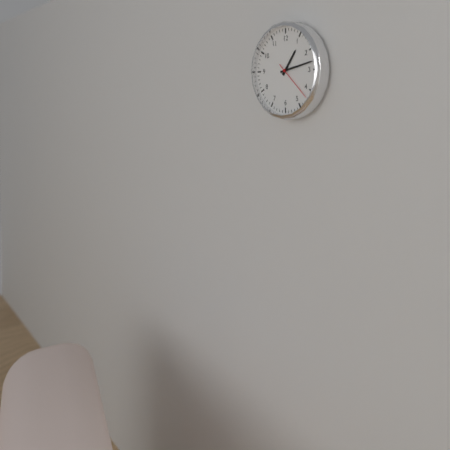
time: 1:13
